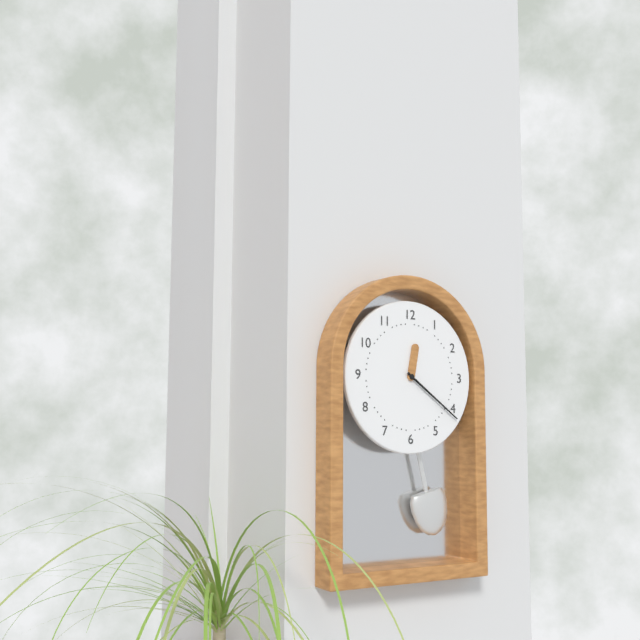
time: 12:21
